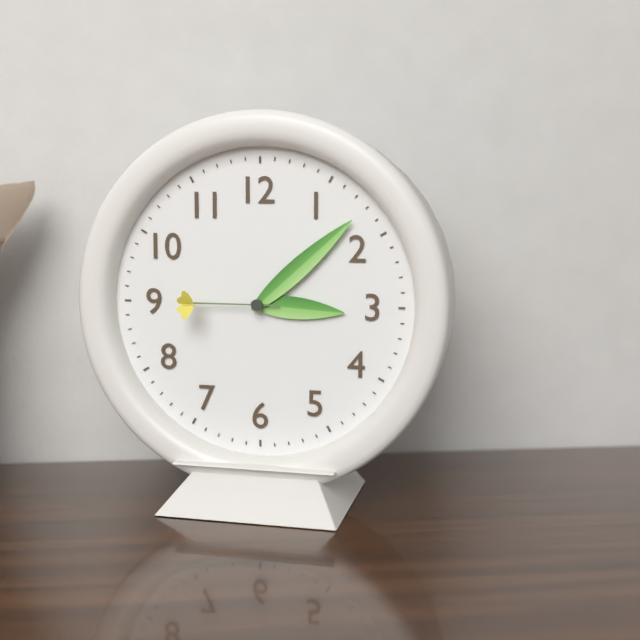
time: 3:08:45
